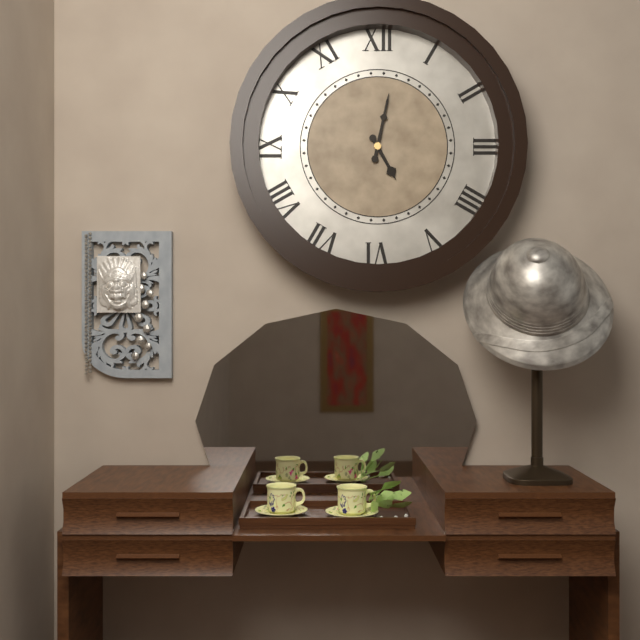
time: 5:02
